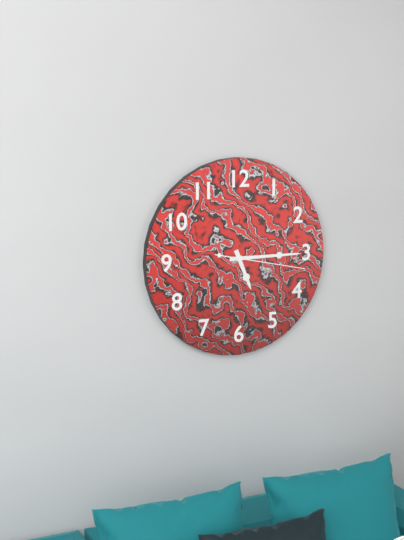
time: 5:15:17
